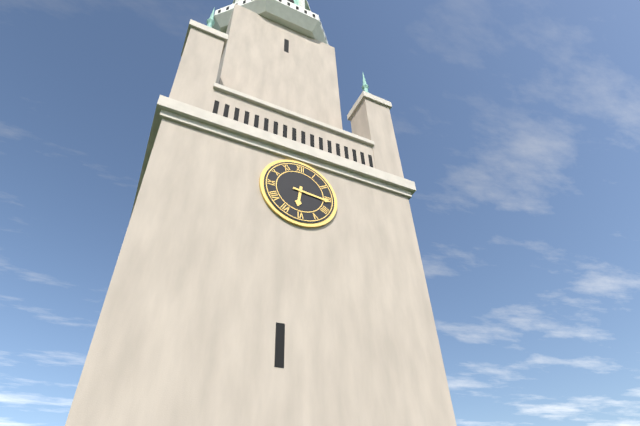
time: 6:16
